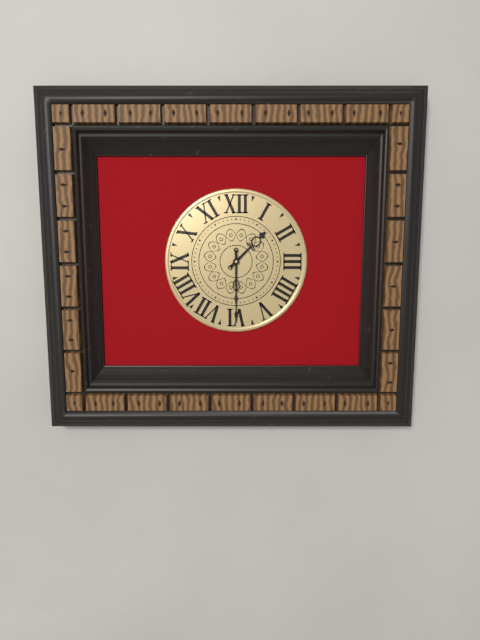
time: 1:30
